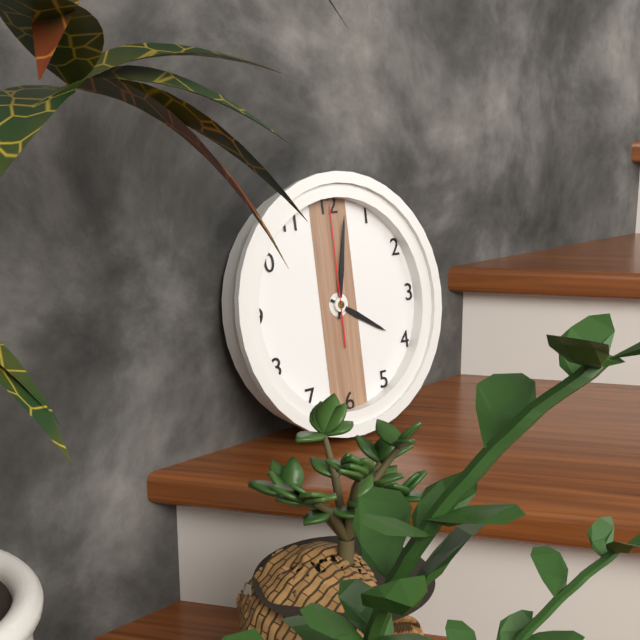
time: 4:02:00
